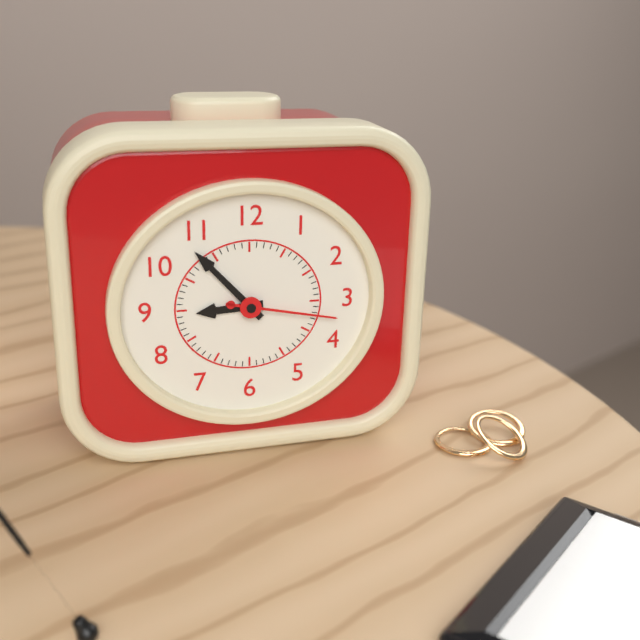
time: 8:53:17
